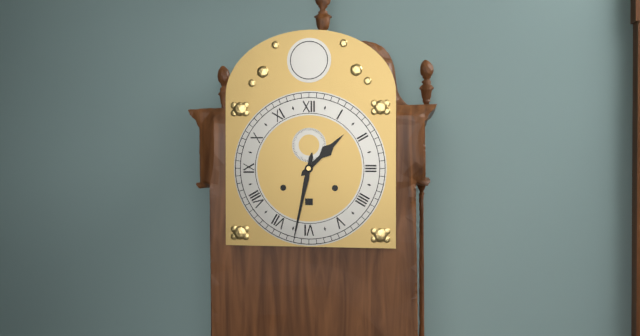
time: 1:32
